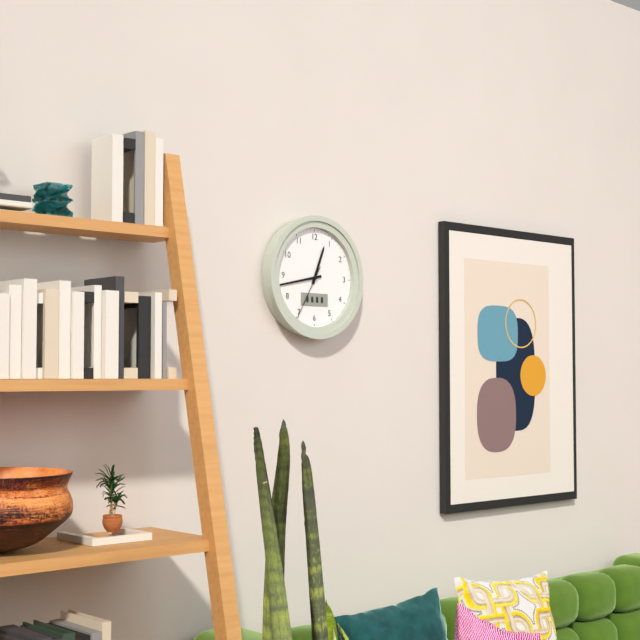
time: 12:43:35
